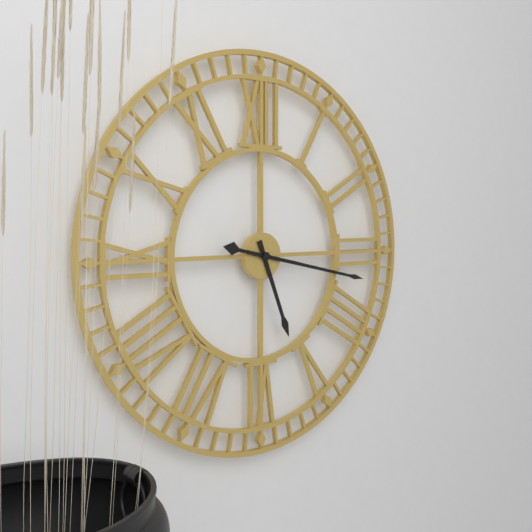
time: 5:17
